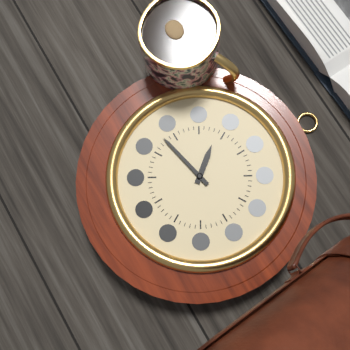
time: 10:43
